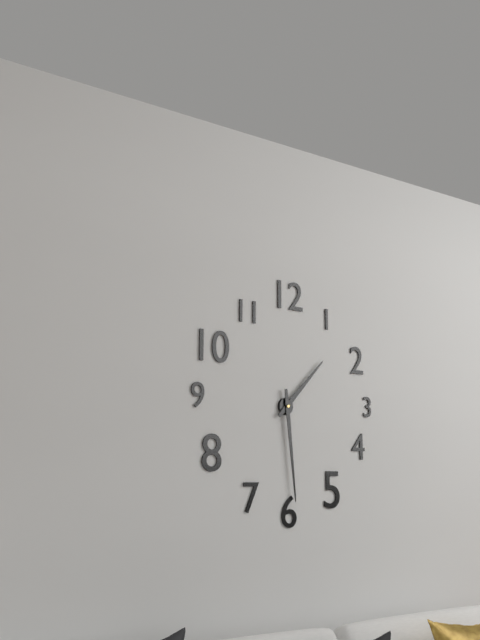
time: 1:29
